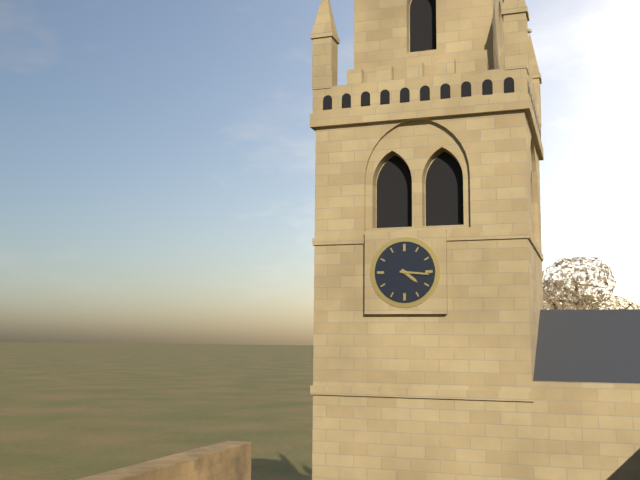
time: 4:16
